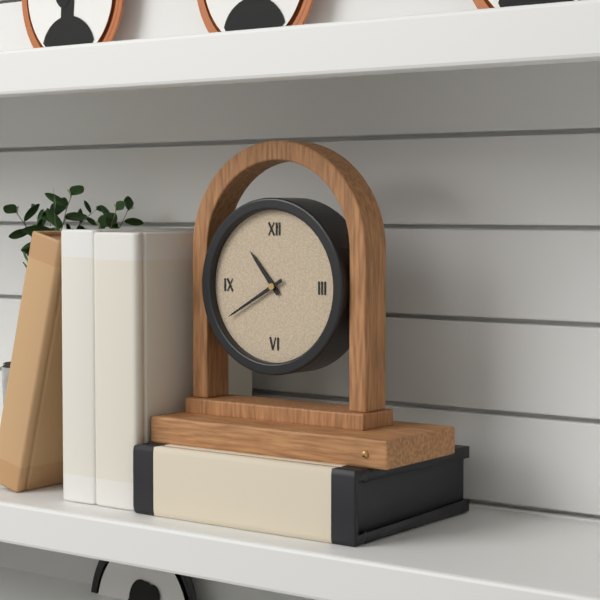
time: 10:40
